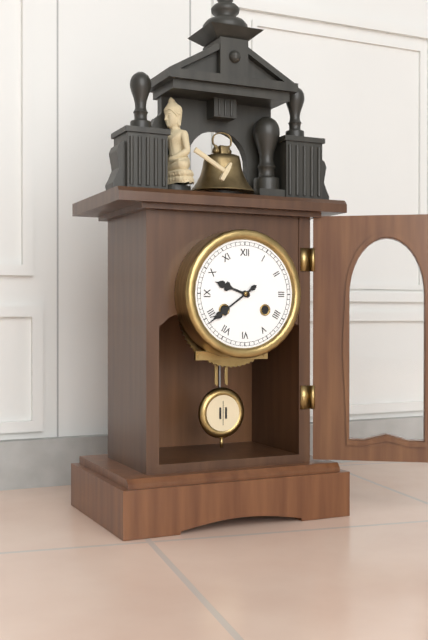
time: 9:39
